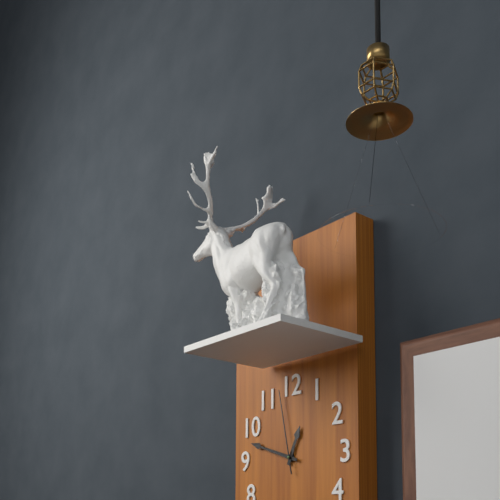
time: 12:48:58
